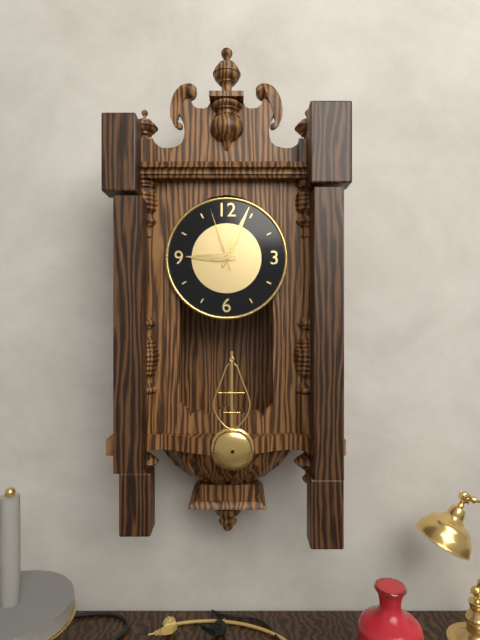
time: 9:04:57
